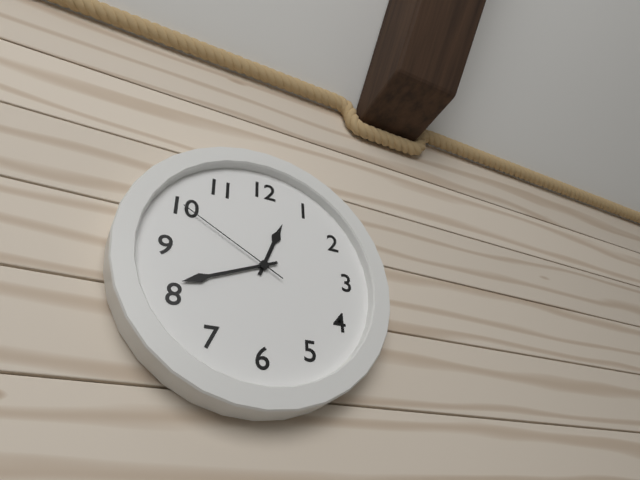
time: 12:41:50
